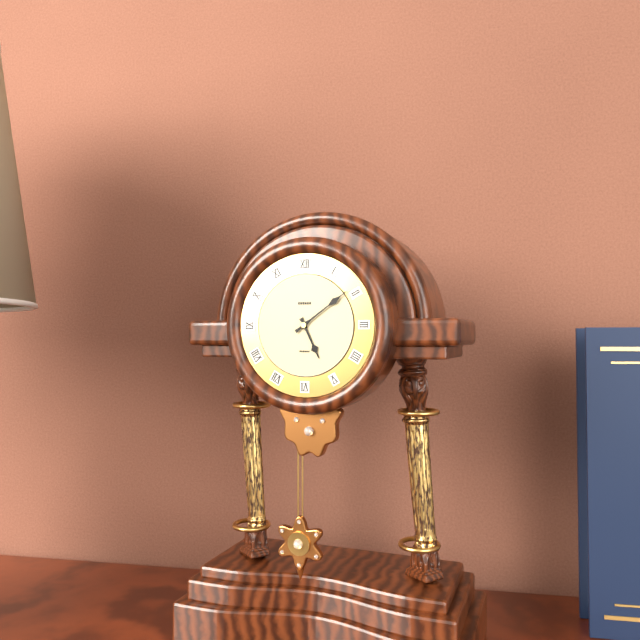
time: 5:09
